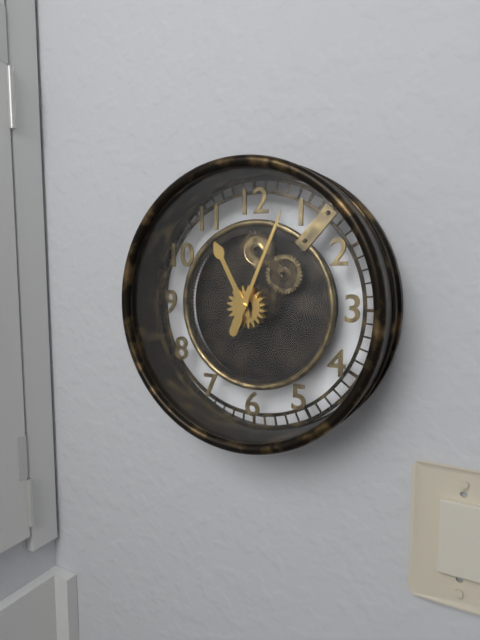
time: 11:04
